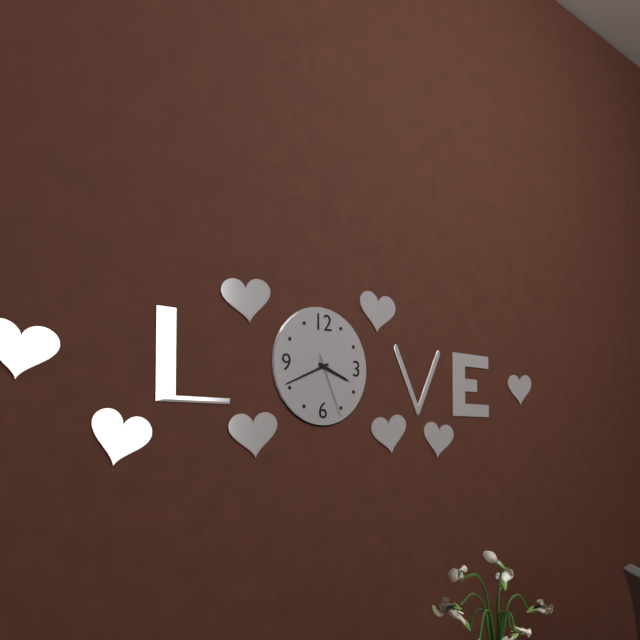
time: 3:41:26
